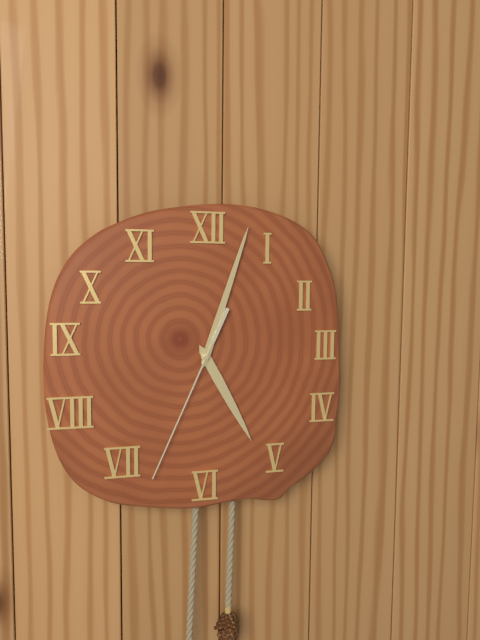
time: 5:03:34
